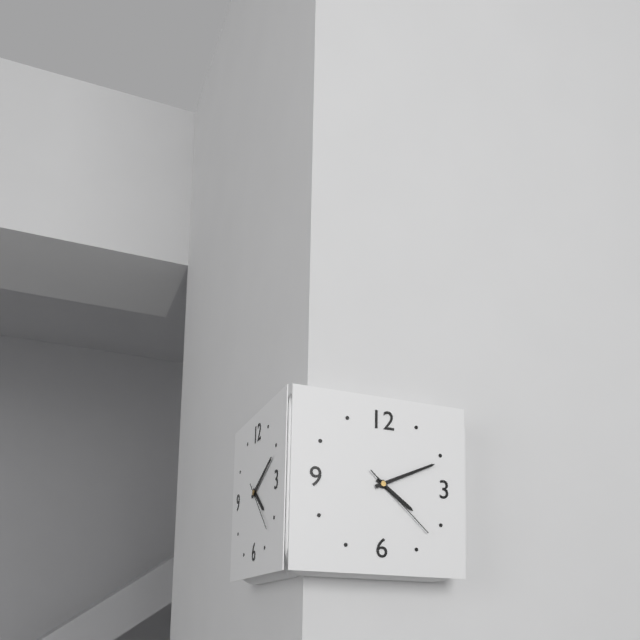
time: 4:11:22
